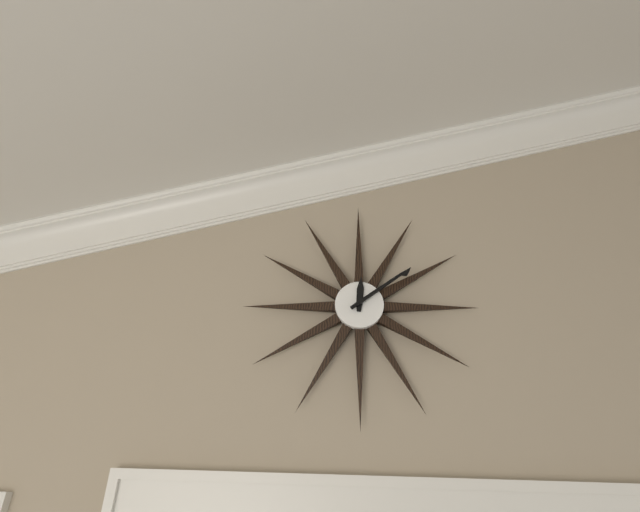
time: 12:09
